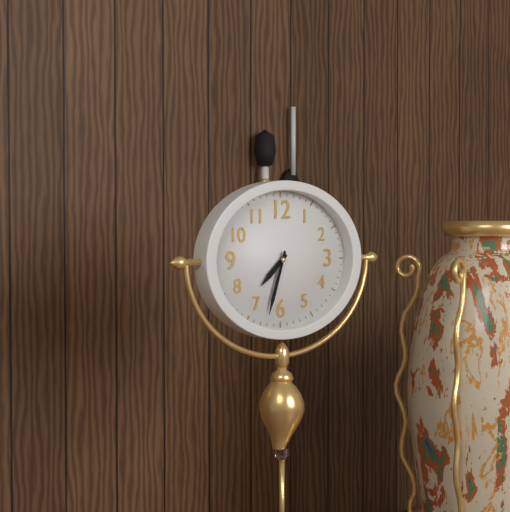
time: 7:33
